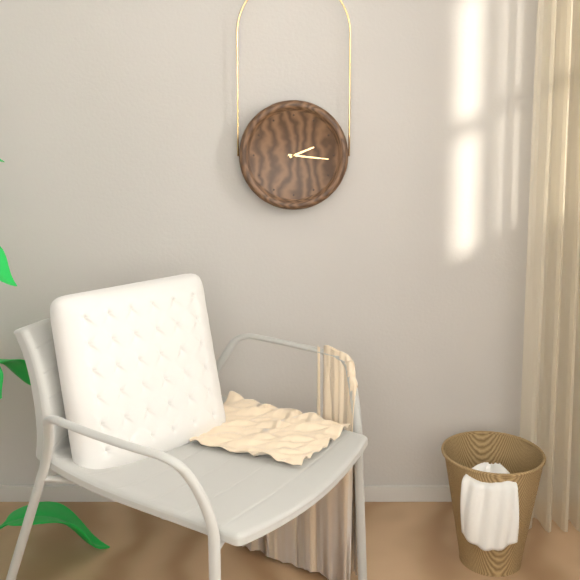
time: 2:16
